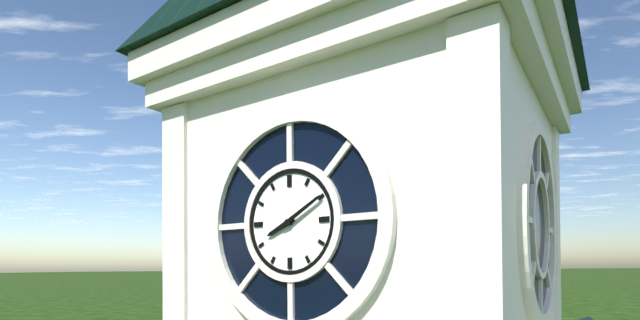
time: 8:10
